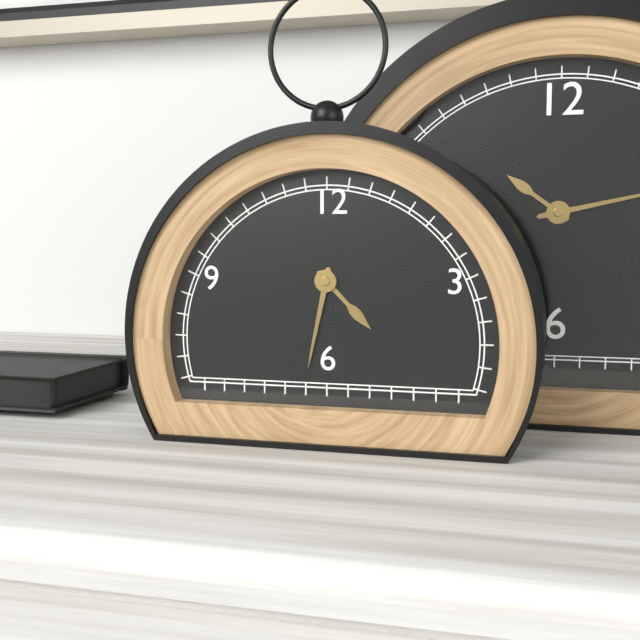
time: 4:32
